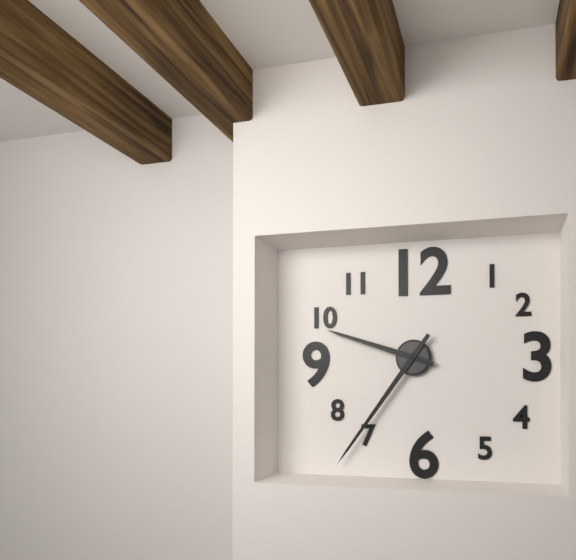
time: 9:36
